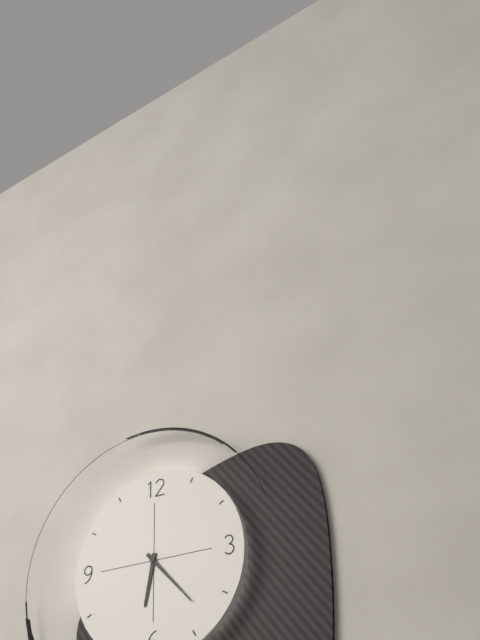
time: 6:23
